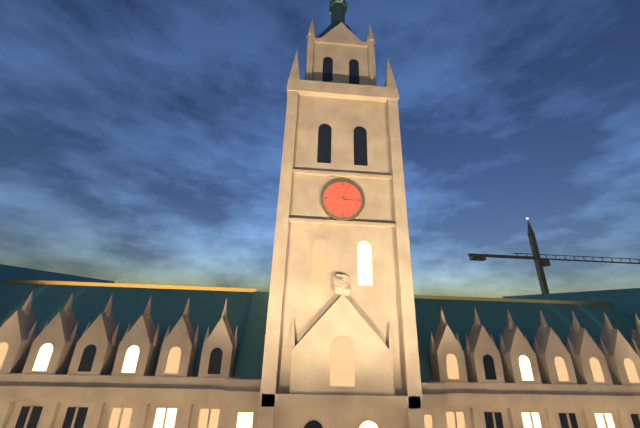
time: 3:04
